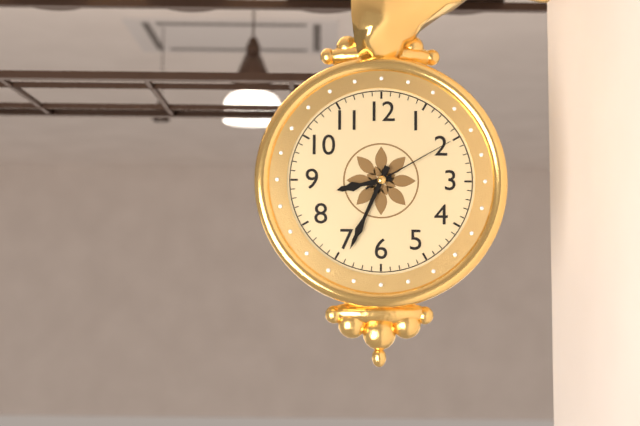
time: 8:34:10
